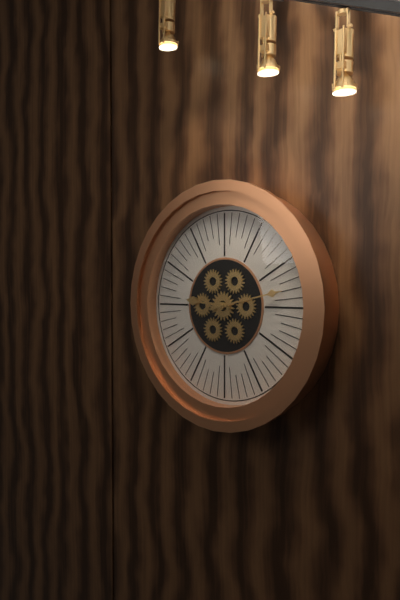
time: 9:13
